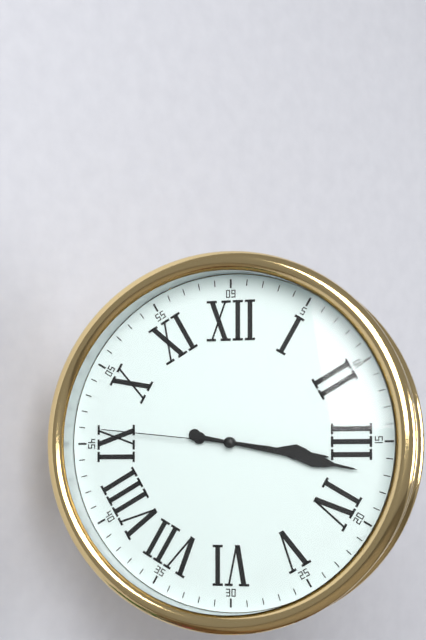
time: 3:17:46
